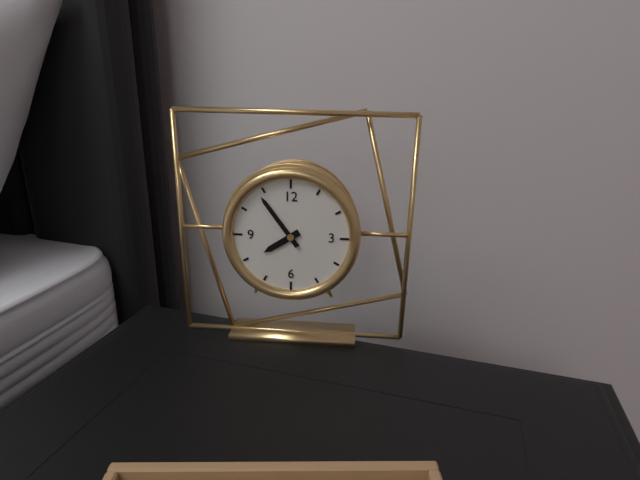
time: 7:54
